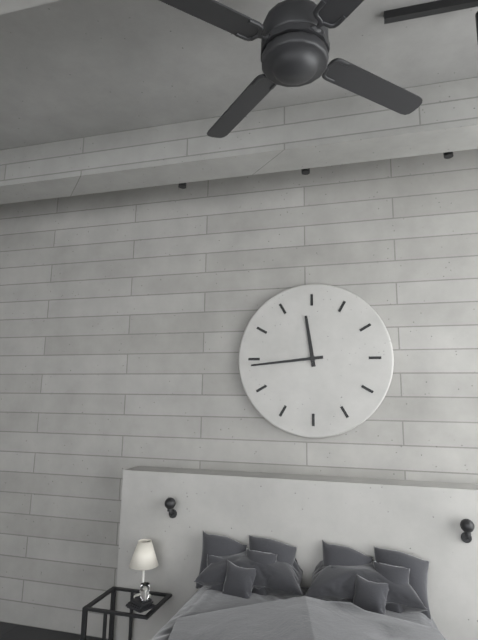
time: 11:44
